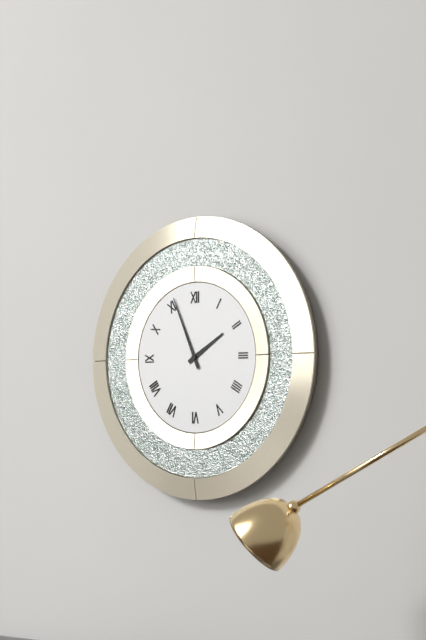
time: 1:56
